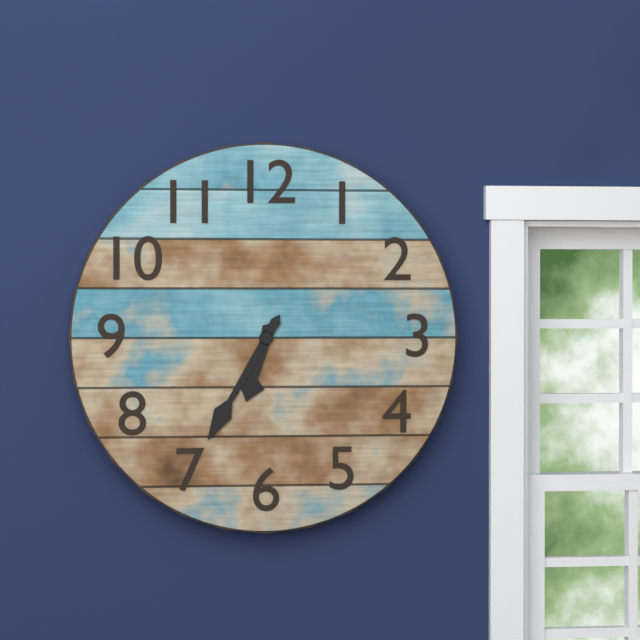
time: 6:35
